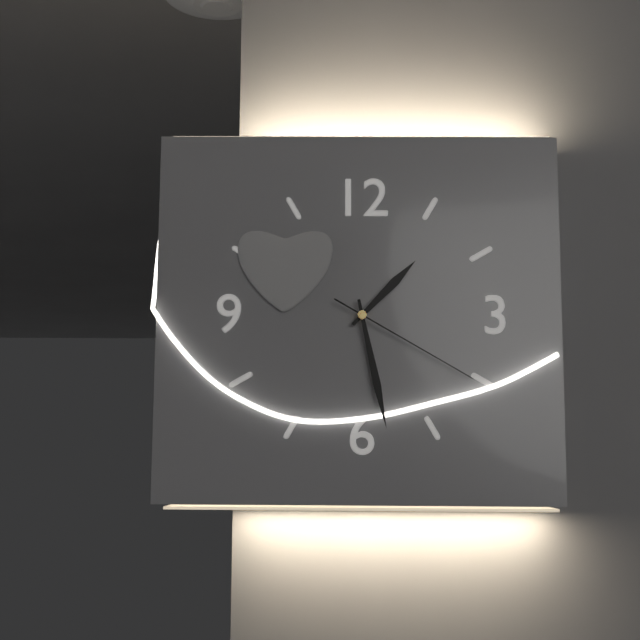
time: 1:28:20
